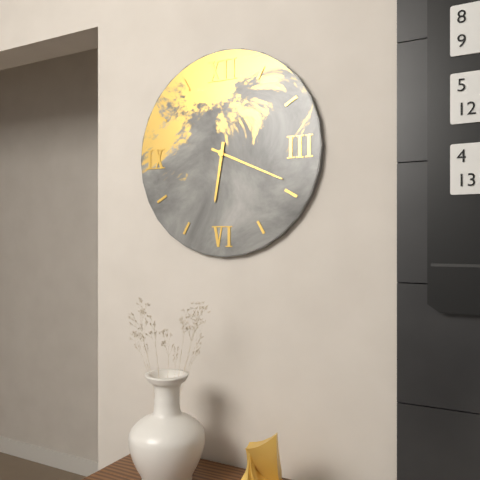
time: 6:19
